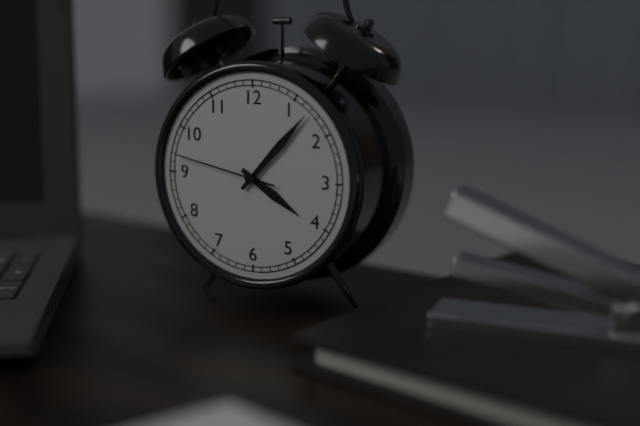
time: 4:07:47
